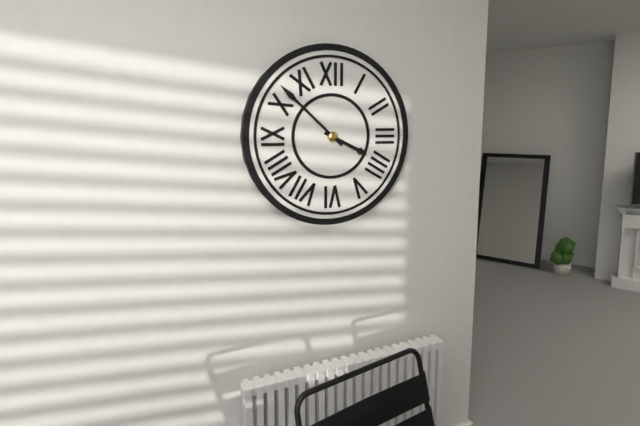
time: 3:52
